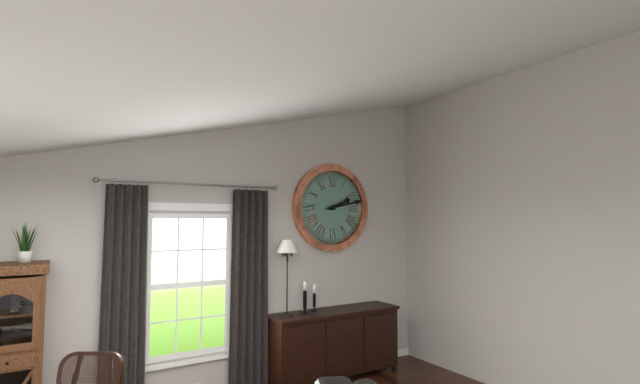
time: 2:13
